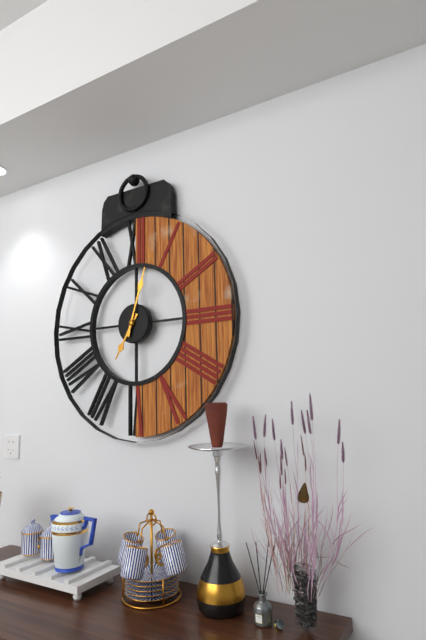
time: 7:03
